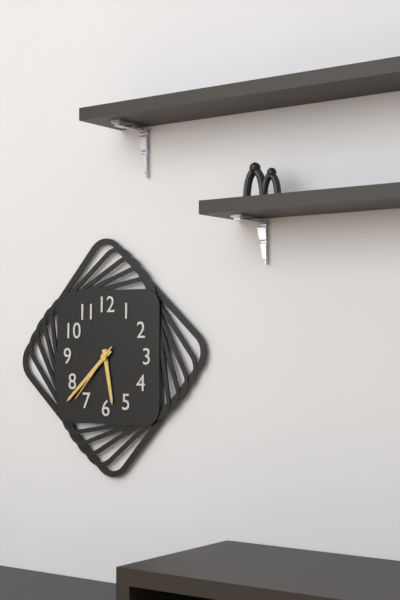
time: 5:38:37
